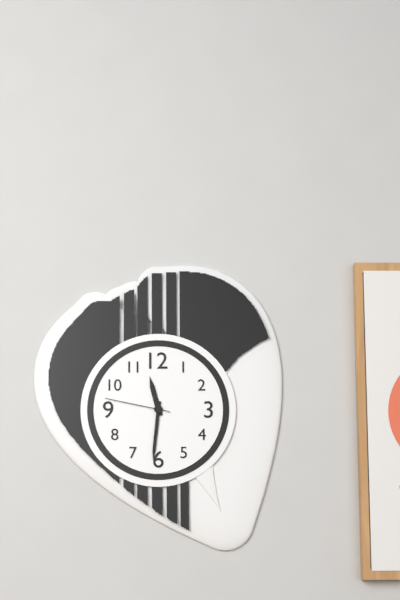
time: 11:31:47
